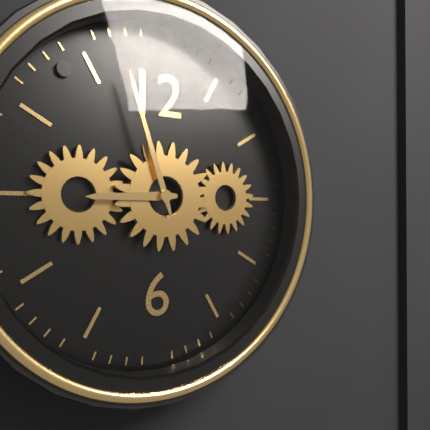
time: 8:57
